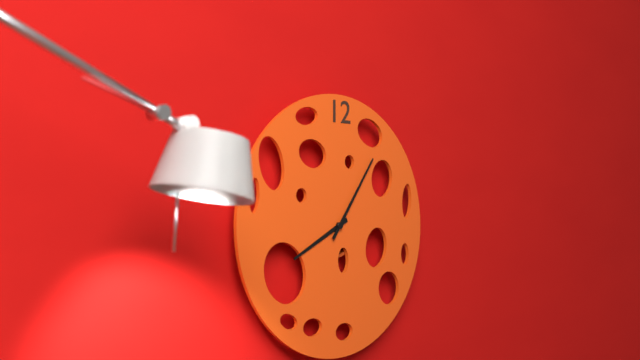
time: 8:06
